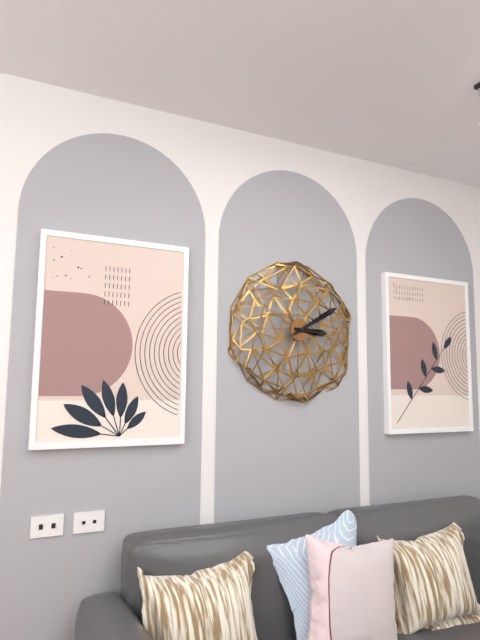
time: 3:10
